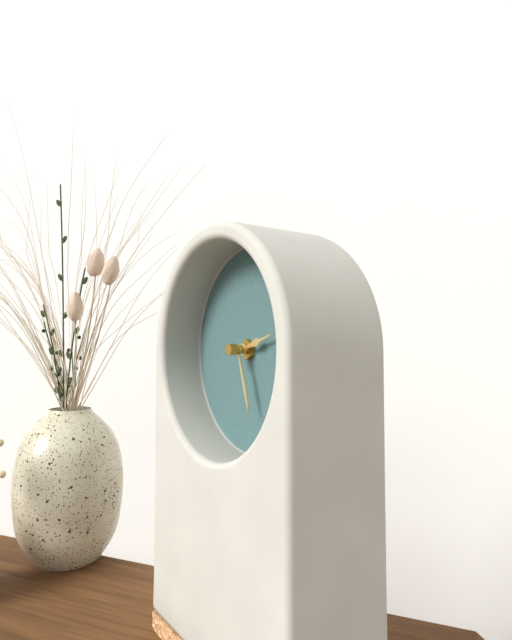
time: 2:27
